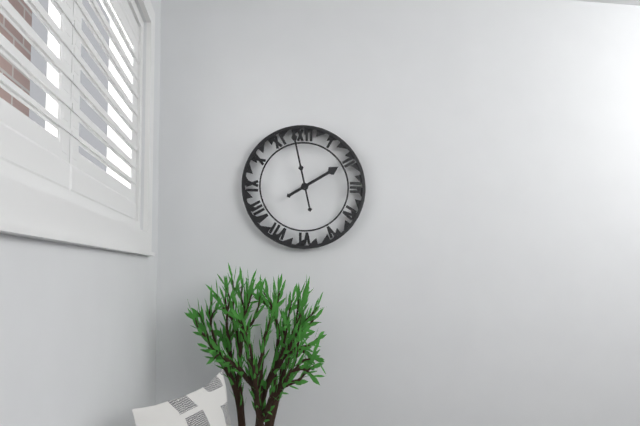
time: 1:58
